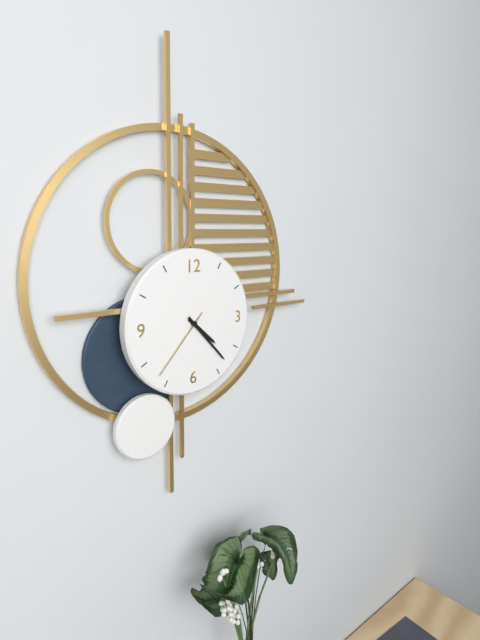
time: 4:23:37
